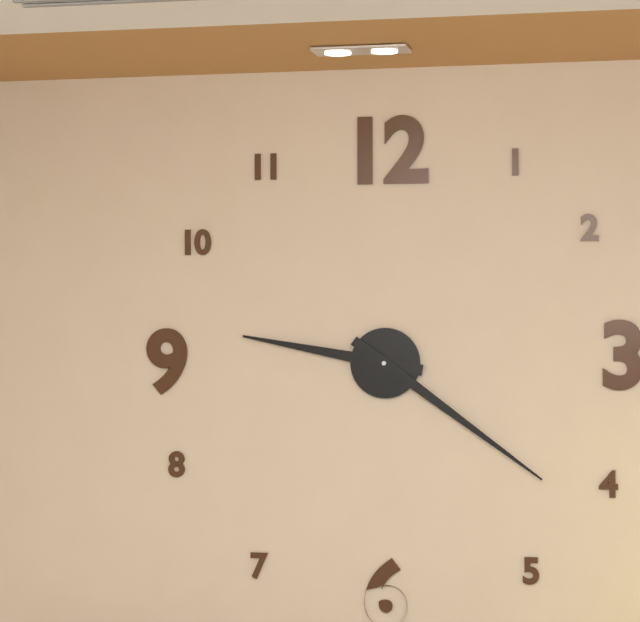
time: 9:21
